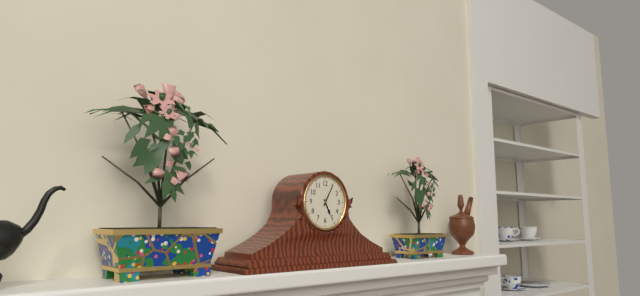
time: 5:05
